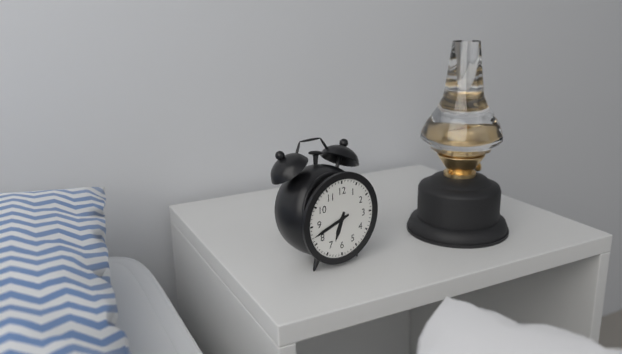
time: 6:42
